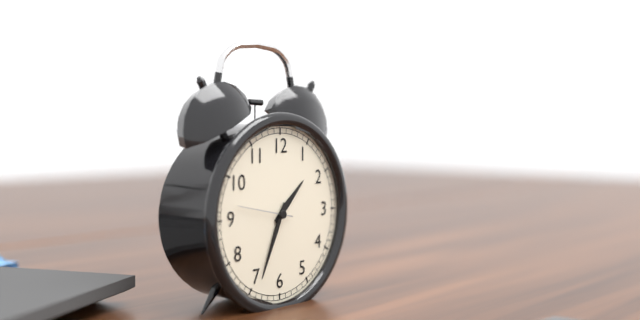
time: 1:34:47
